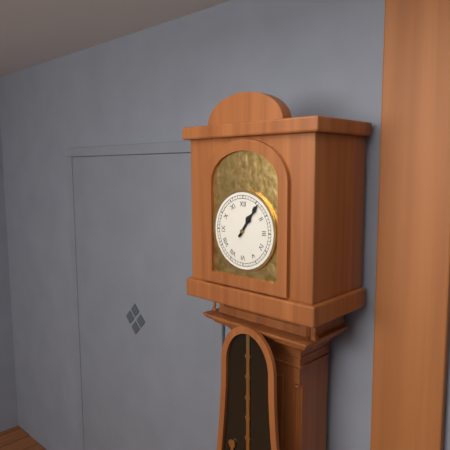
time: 1:06
